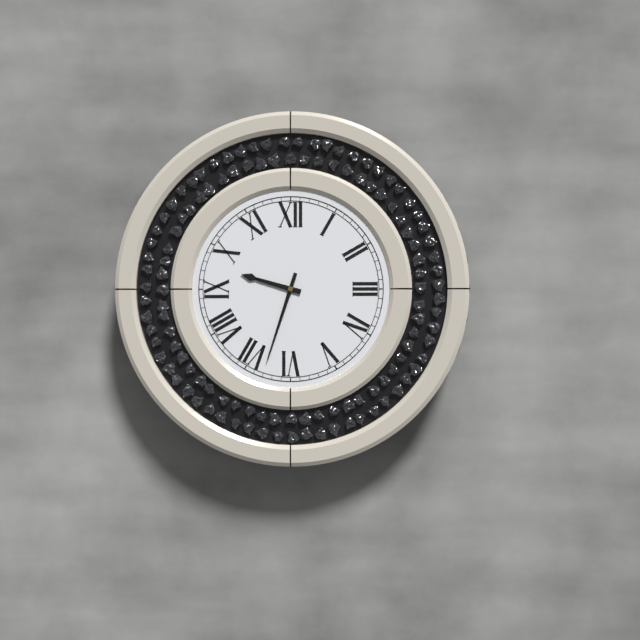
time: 9:33
